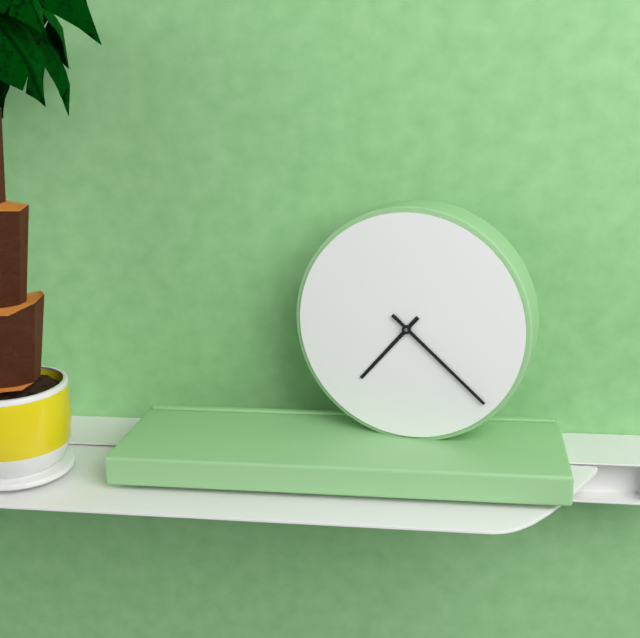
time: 7:22
